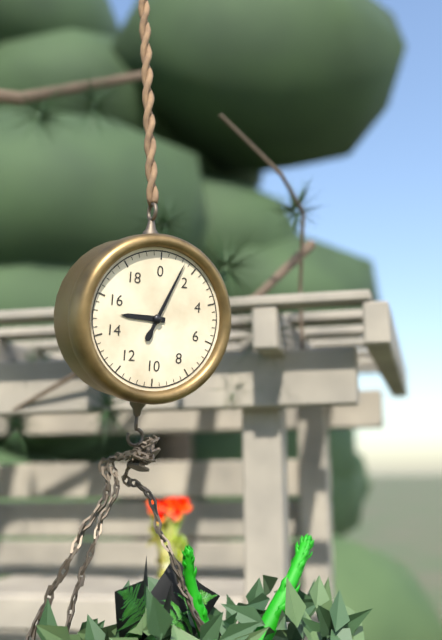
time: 9:04
